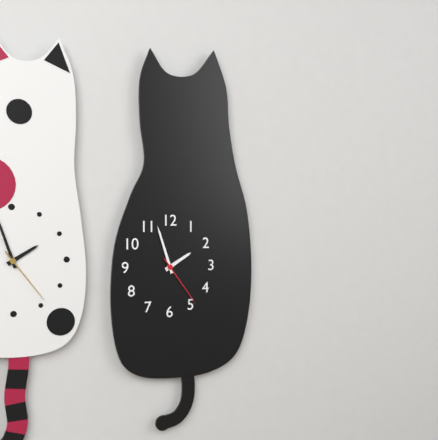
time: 1:57:24
